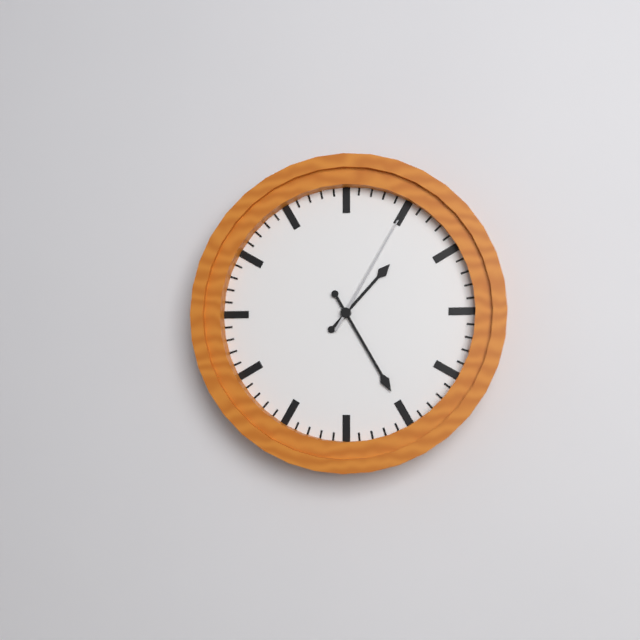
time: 1:25:05
